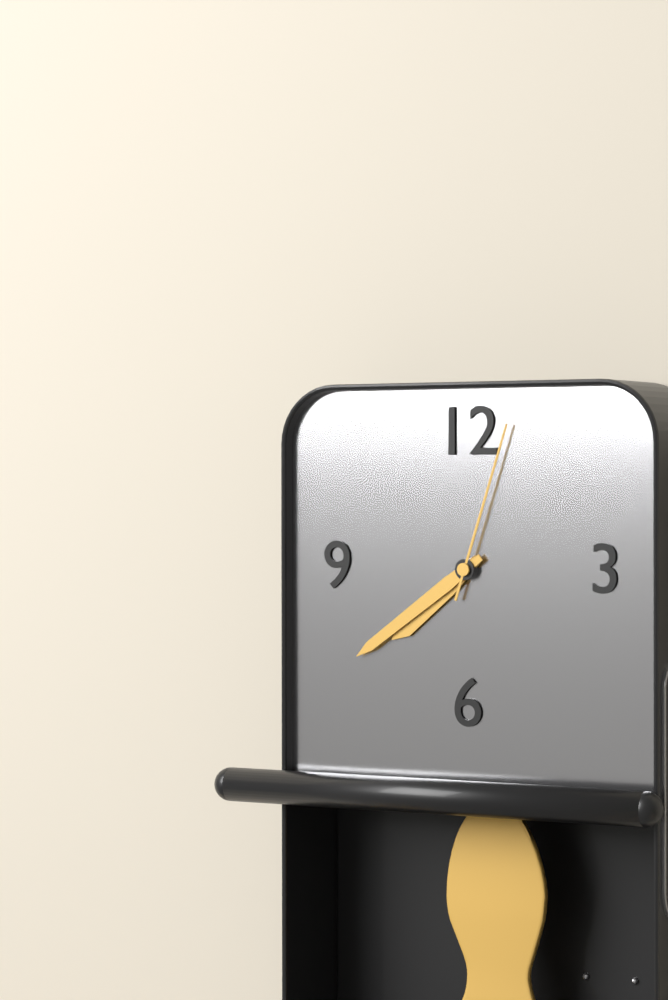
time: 7:39:03
